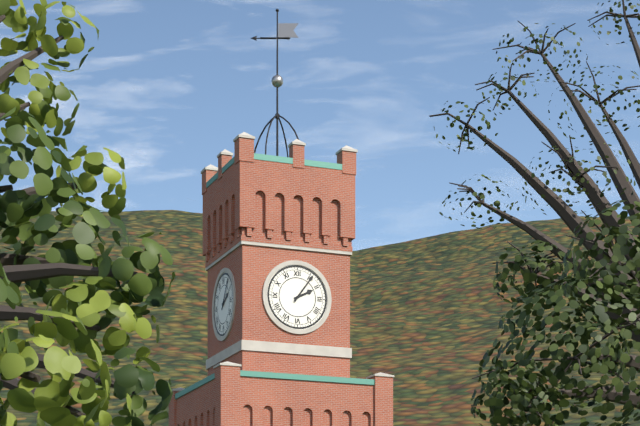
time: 2:06
